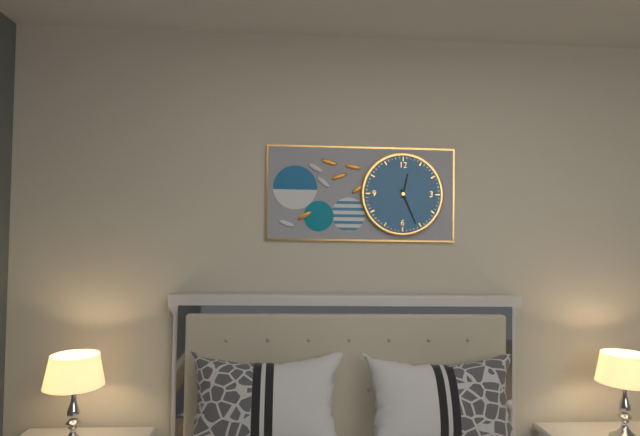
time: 12:26
